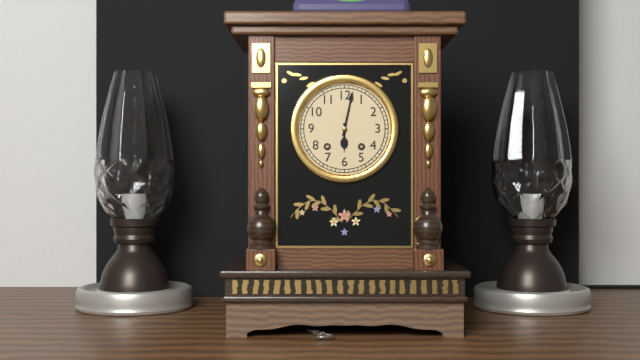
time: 6:02
